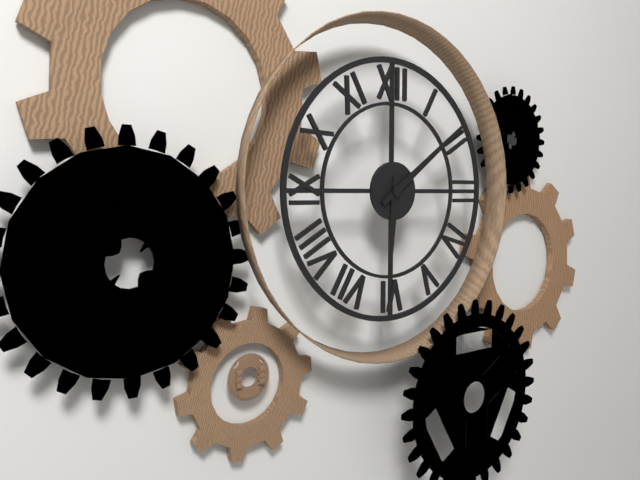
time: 6:09
